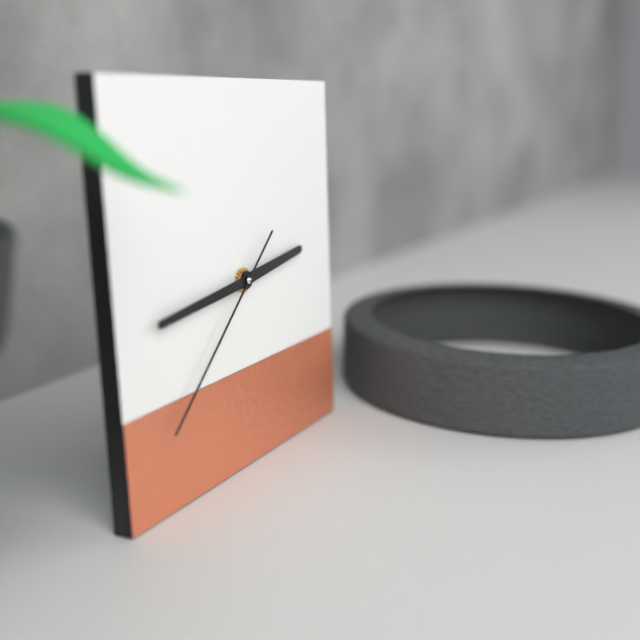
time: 2:44:38
